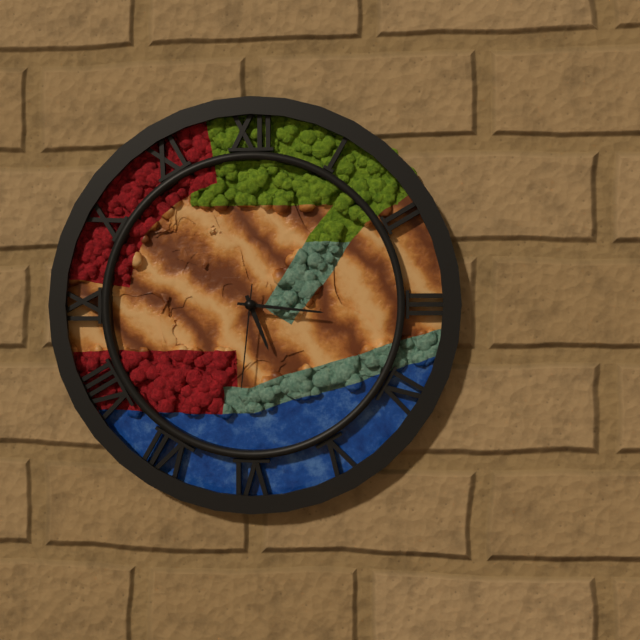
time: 5:16:31
